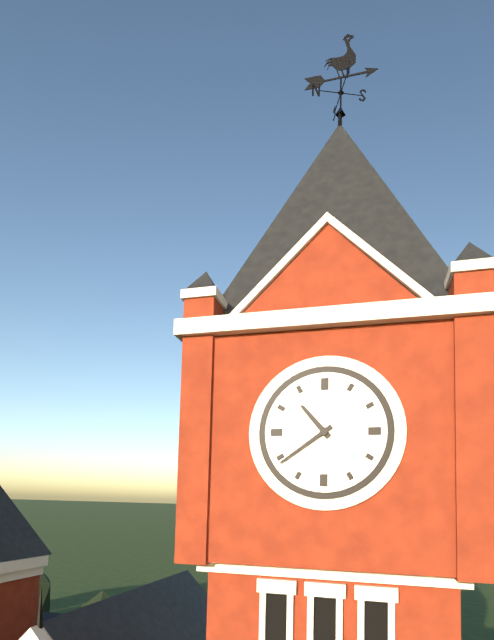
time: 10:39
